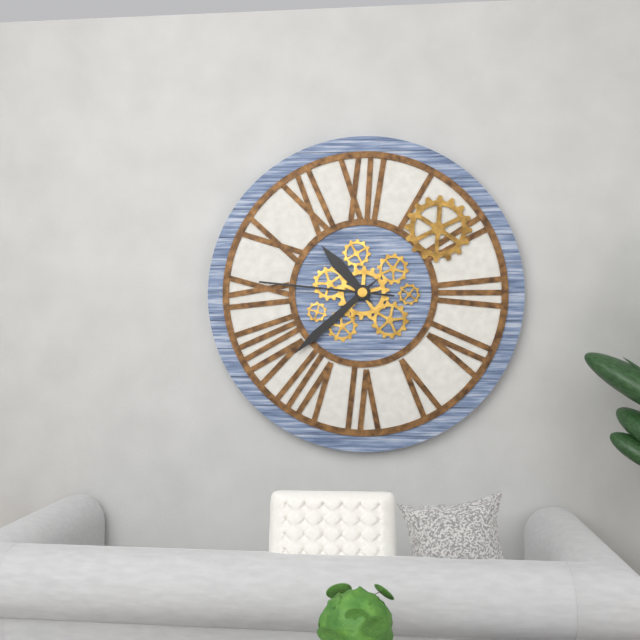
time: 10:38:46
